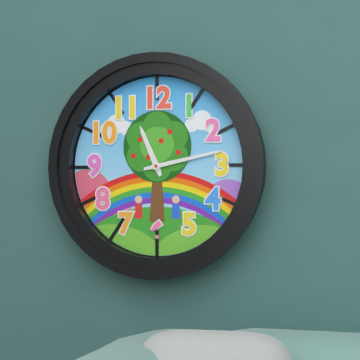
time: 11:13
